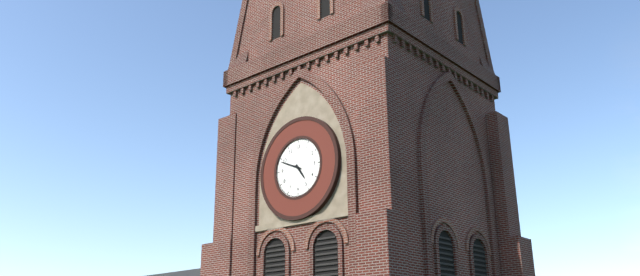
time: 4:49
